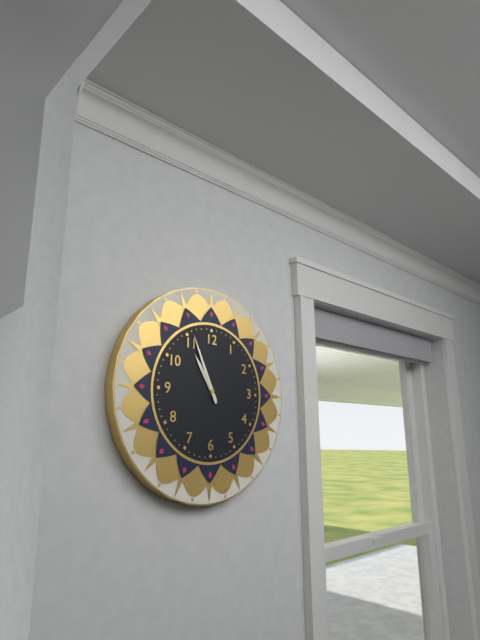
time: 10:56
